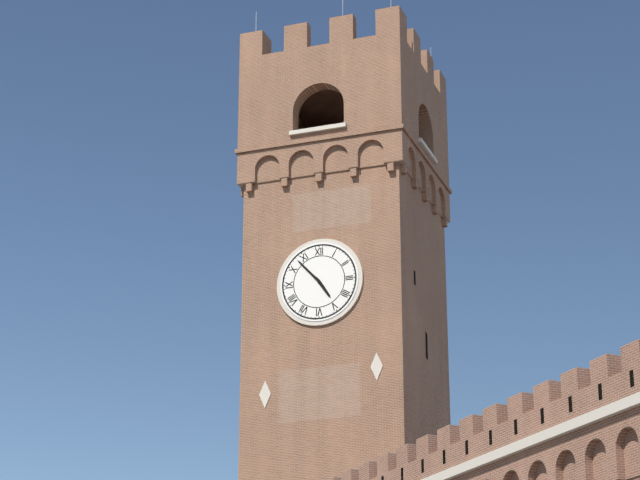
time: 4:53
